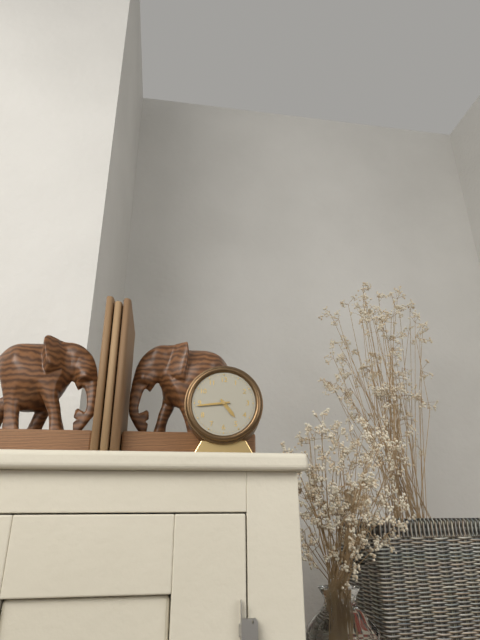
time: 4:44
